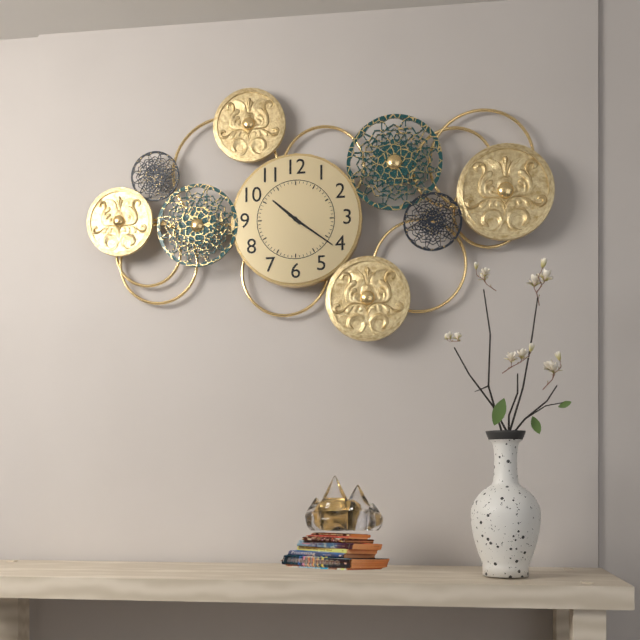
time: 10:21
